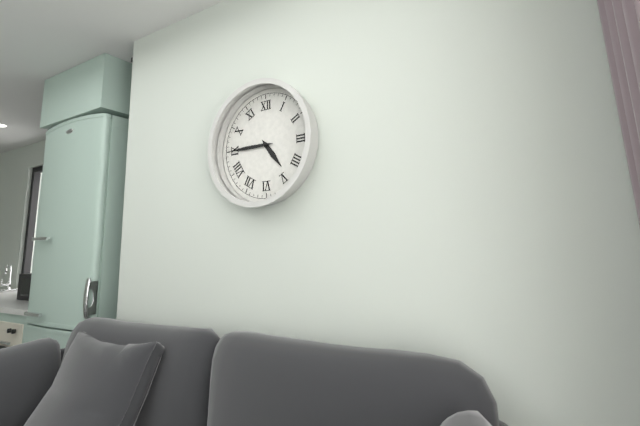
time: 4:45
